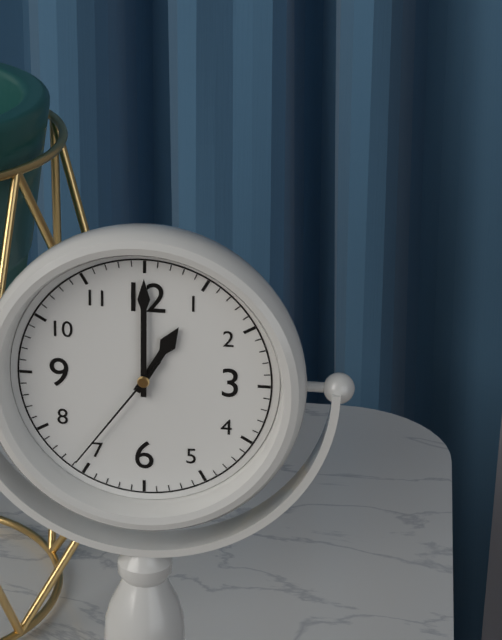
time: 1:00:36
